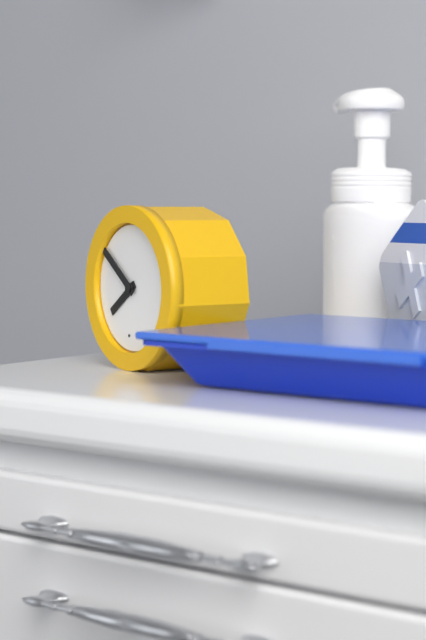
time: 7:51
